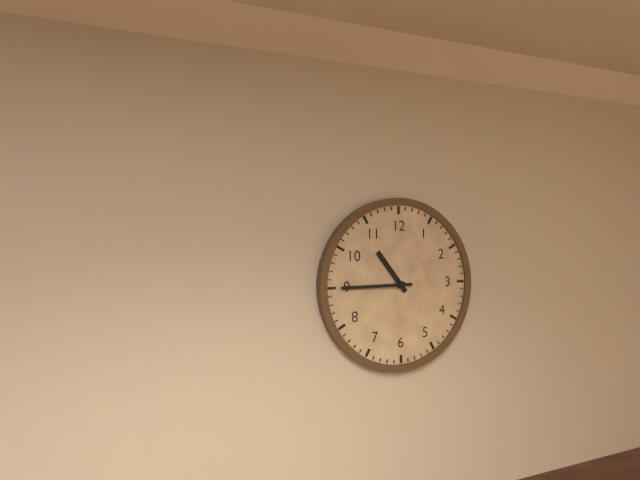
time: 10:45
